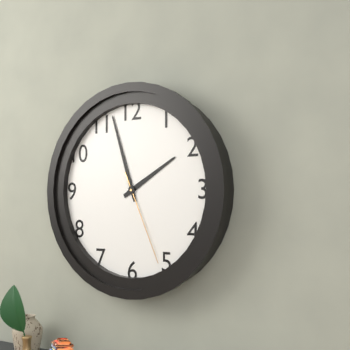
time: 1:57:26
